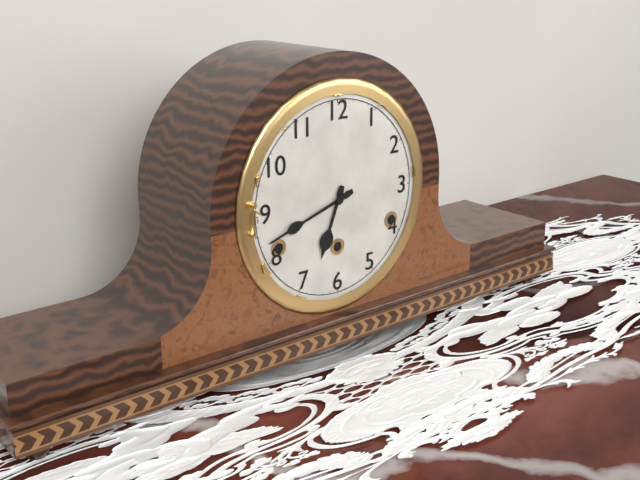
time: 6:42
